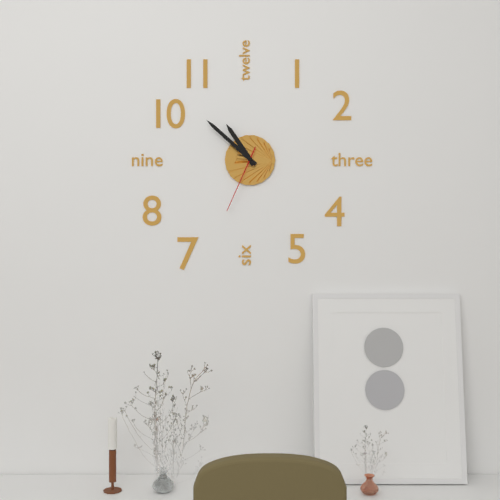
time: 10:52:34
